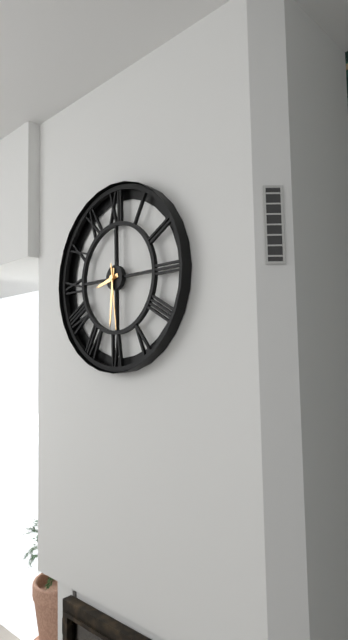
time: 8:31:29
